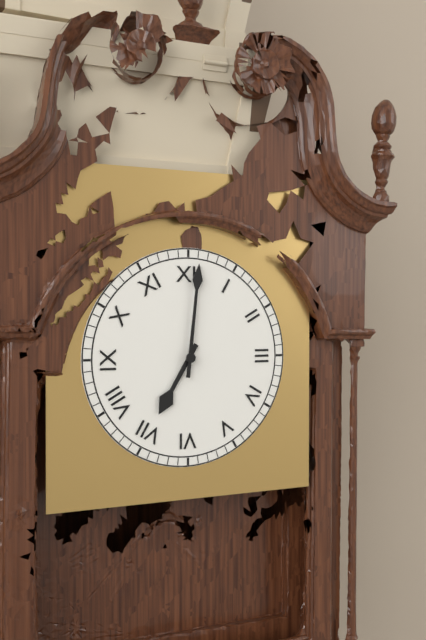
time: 7:01
